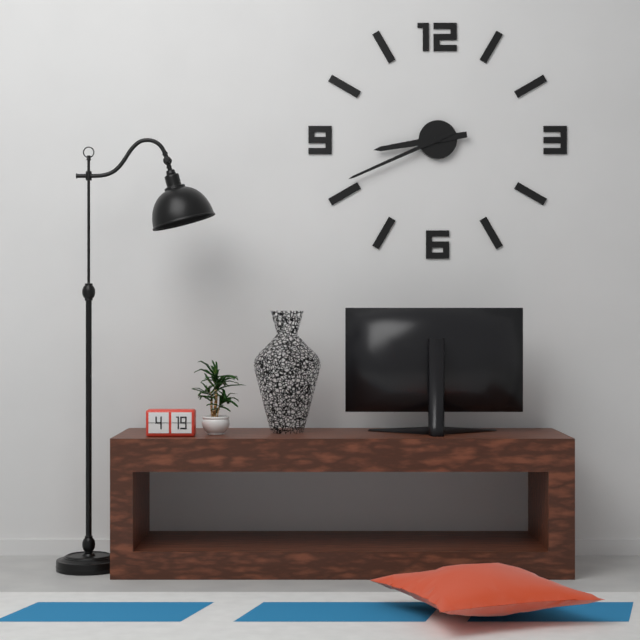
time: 8:41
